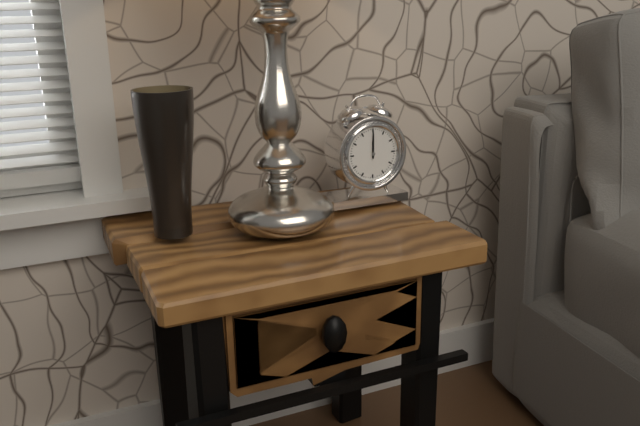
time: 12:00
